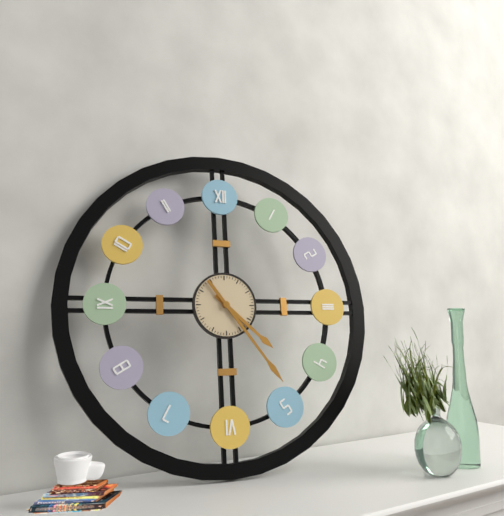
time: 4:24
